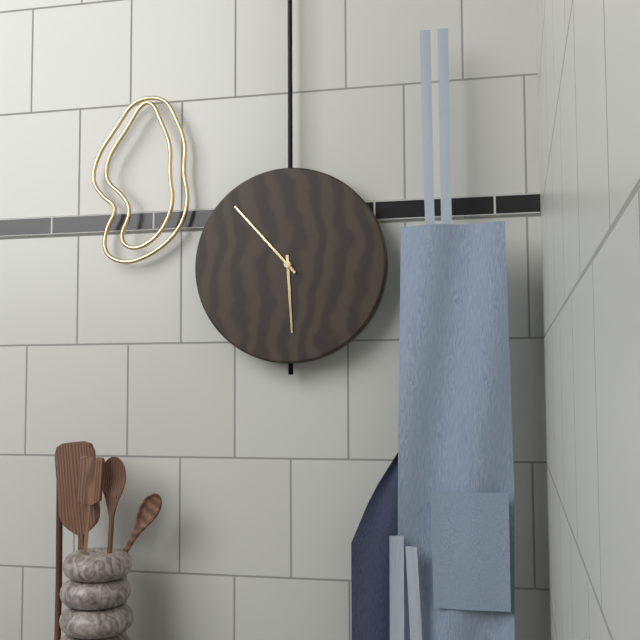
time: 5:53
